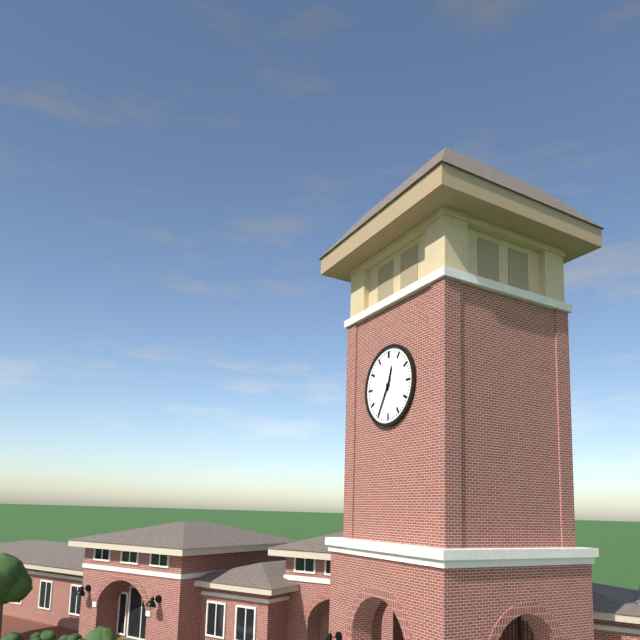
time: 12:35
